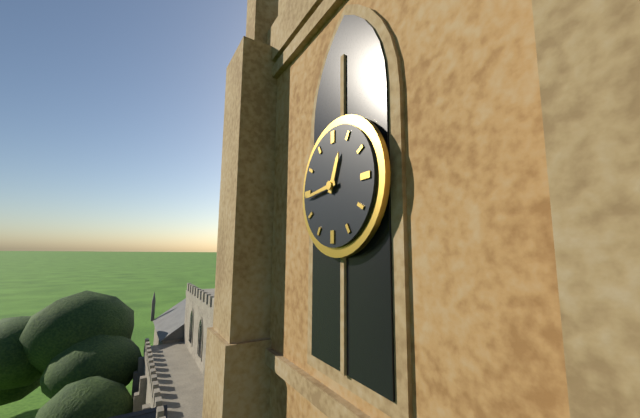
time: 12:44
